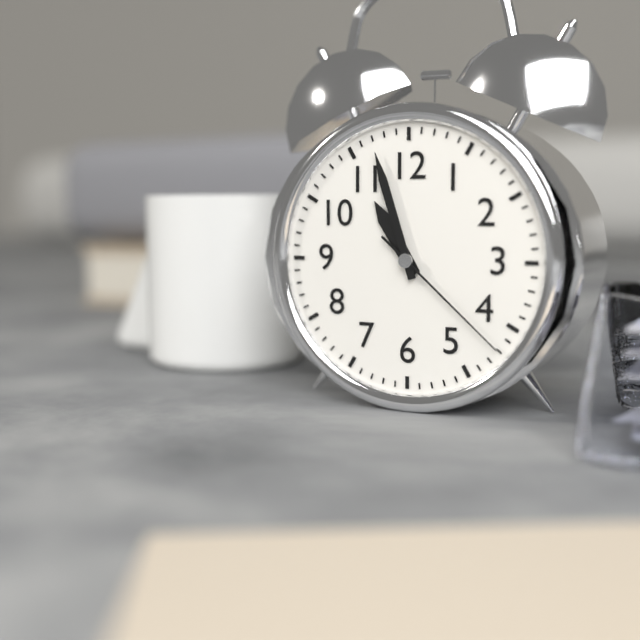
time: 10:57:22
